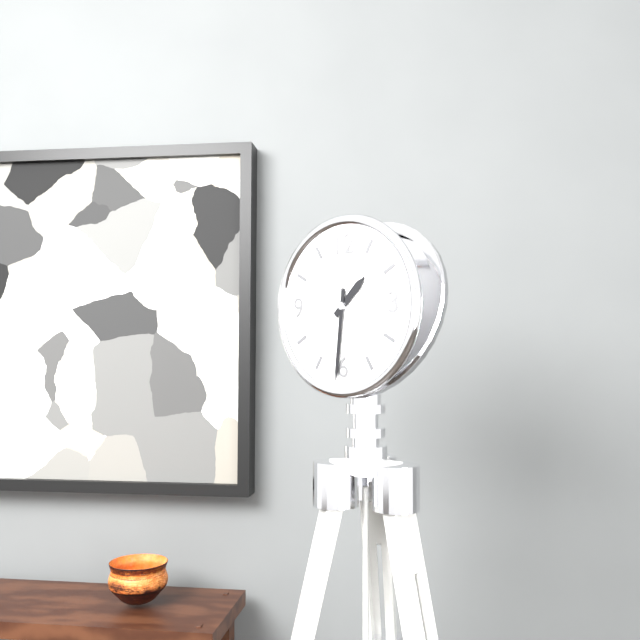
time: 1:31
